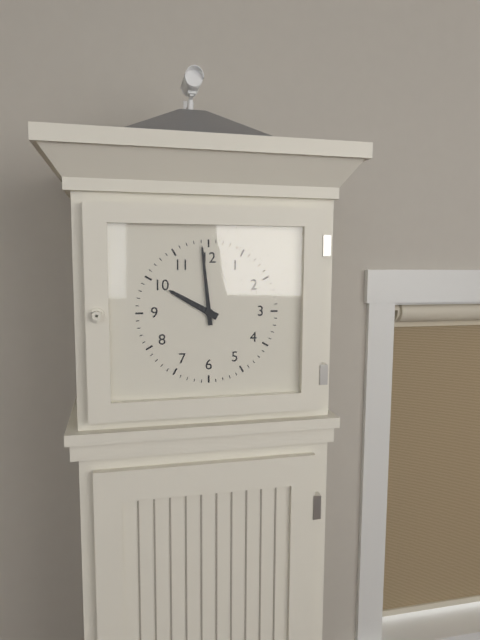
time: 9:59
